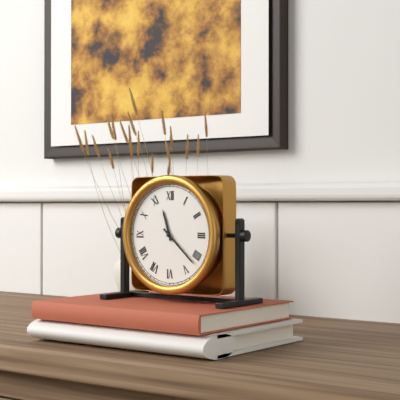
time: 11:22
